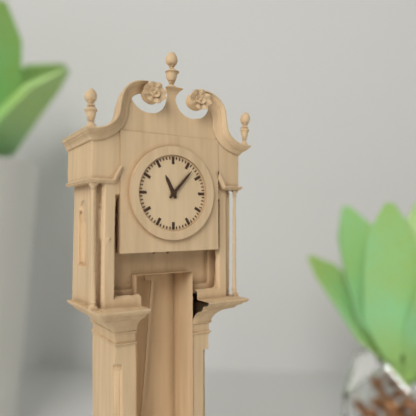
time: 11:07
